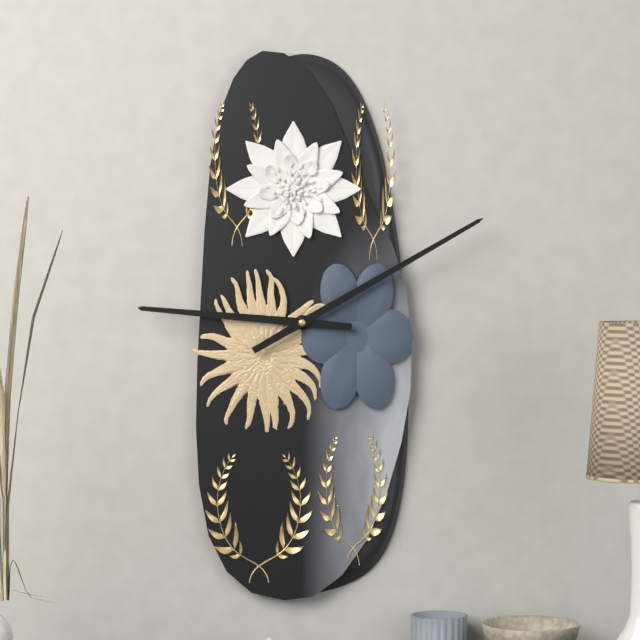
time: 9:10
